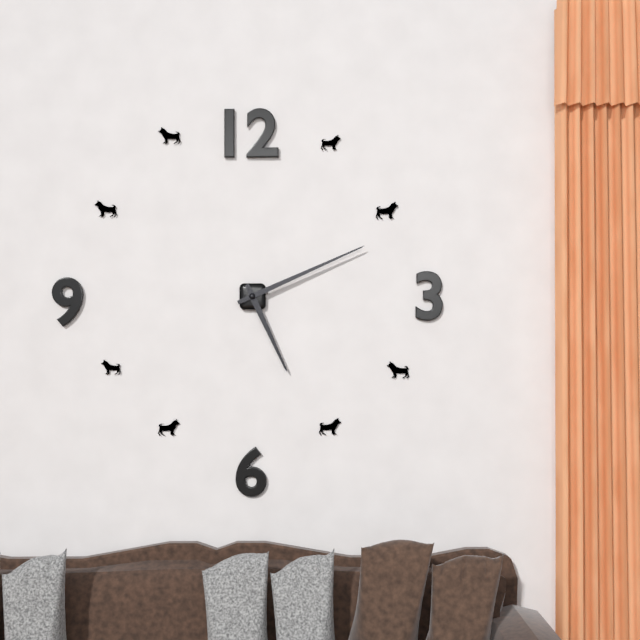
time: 5:11
